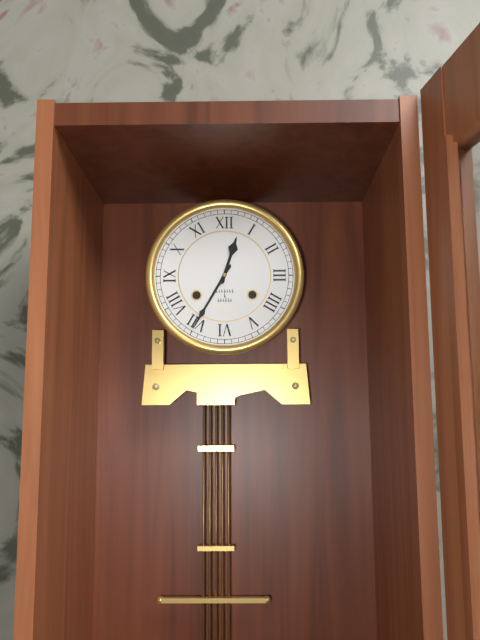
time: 12:35
